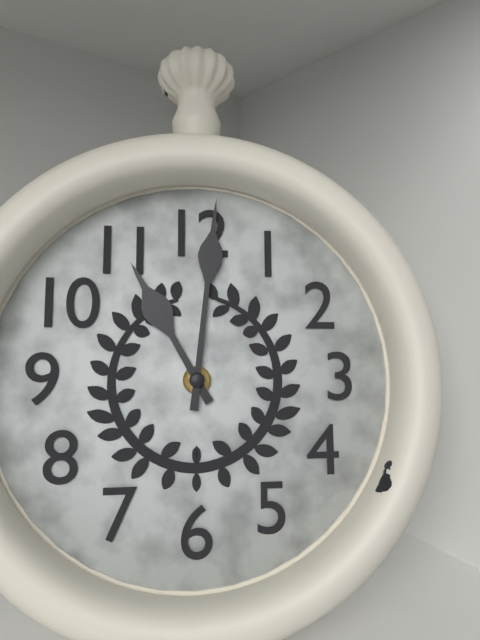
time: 11:01
